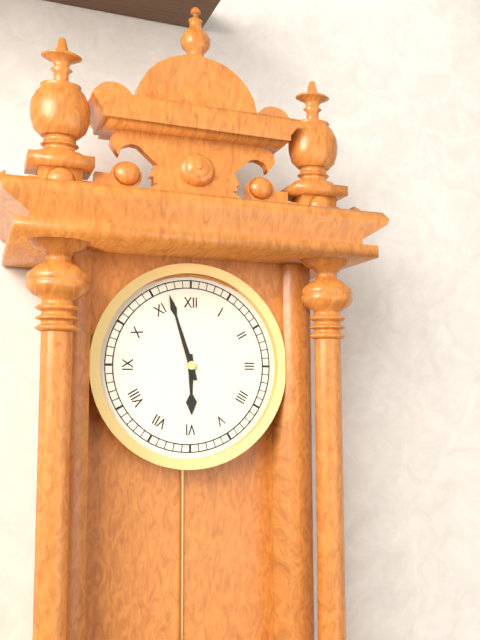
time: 5:57
